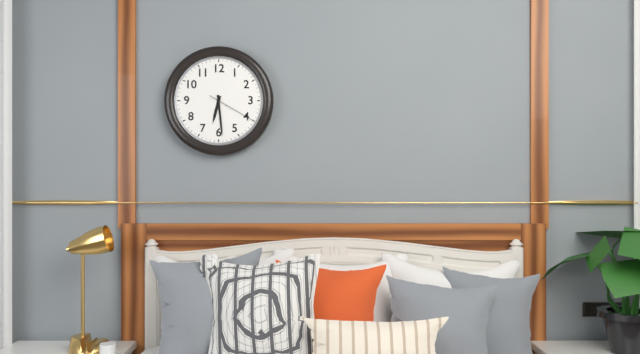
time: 6:29
